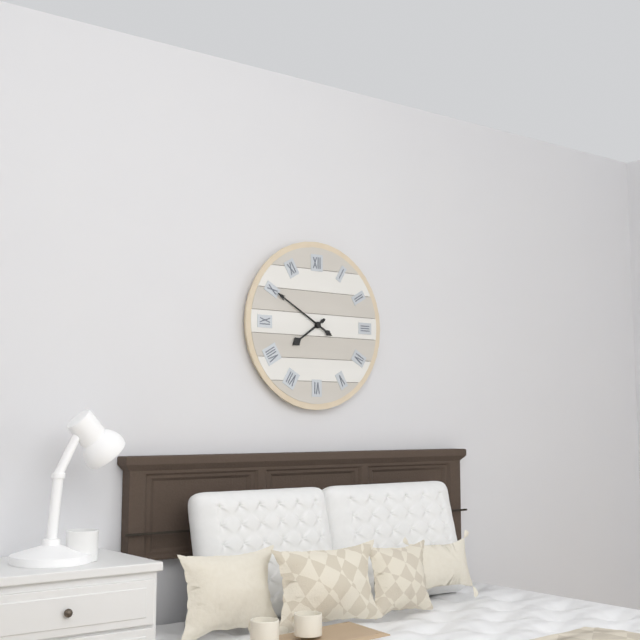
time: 7:50
